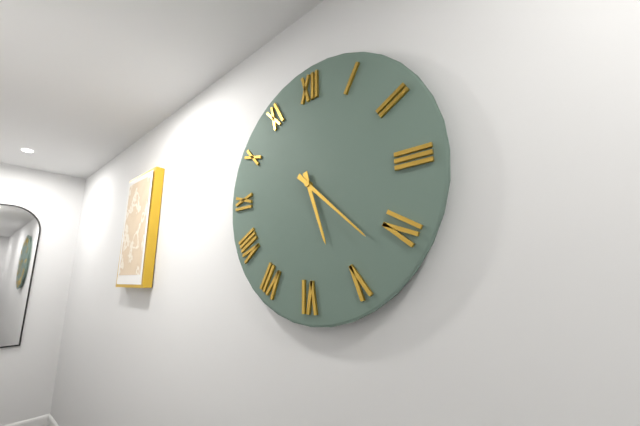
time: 5:22
